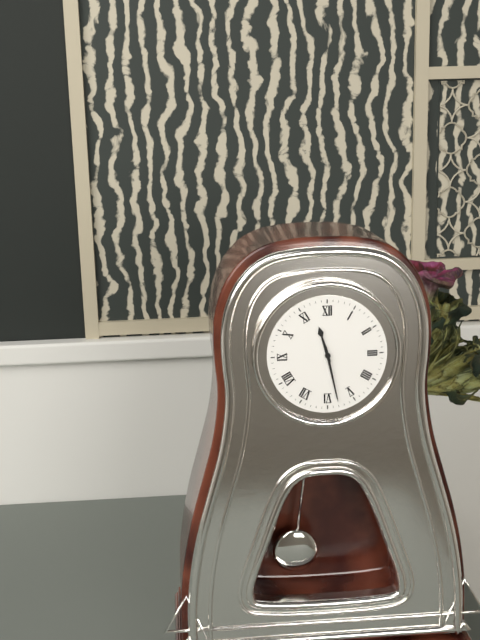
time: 11:28
